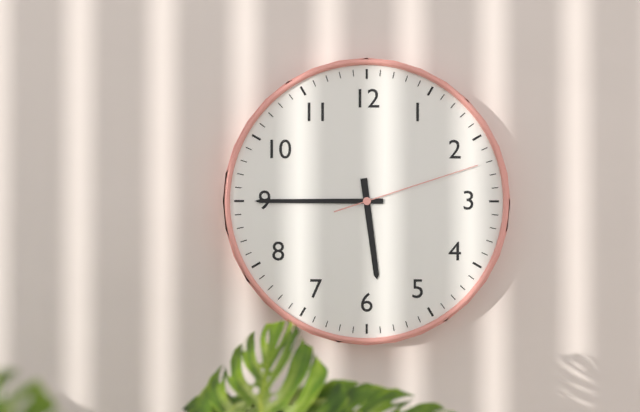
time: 5:45:12
